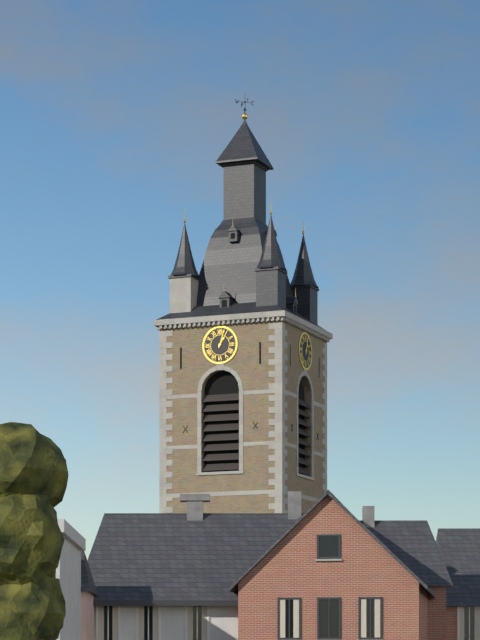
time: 1:03
